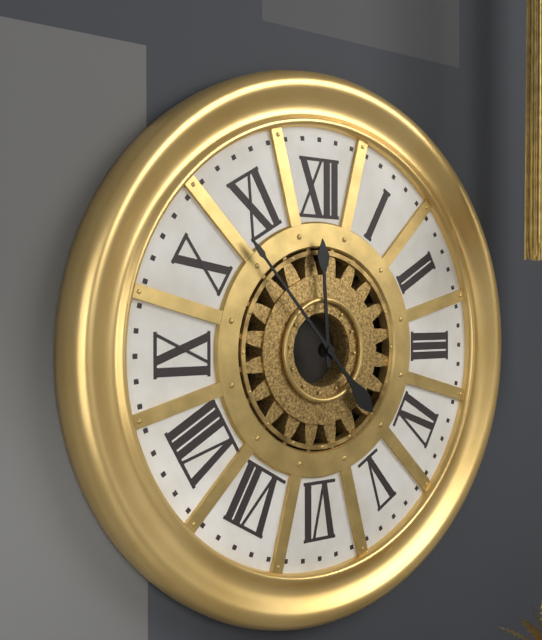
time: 11:53
